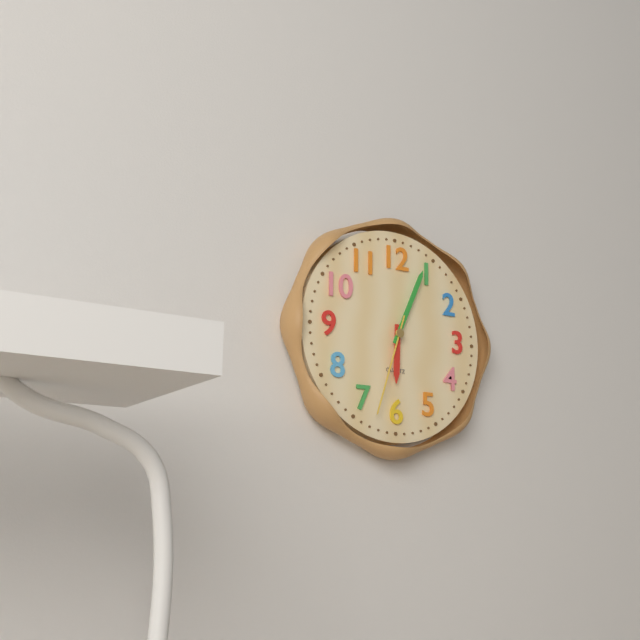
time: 6:04:33
